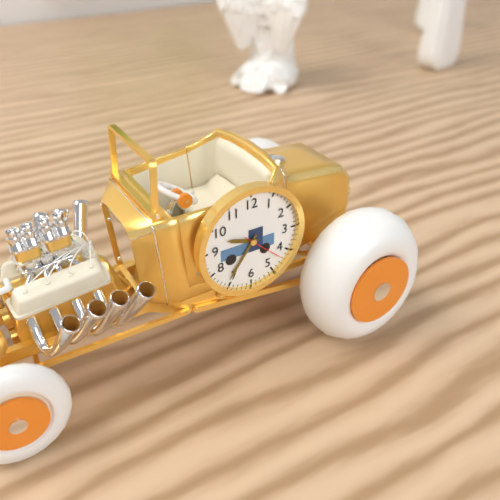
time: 9:36
